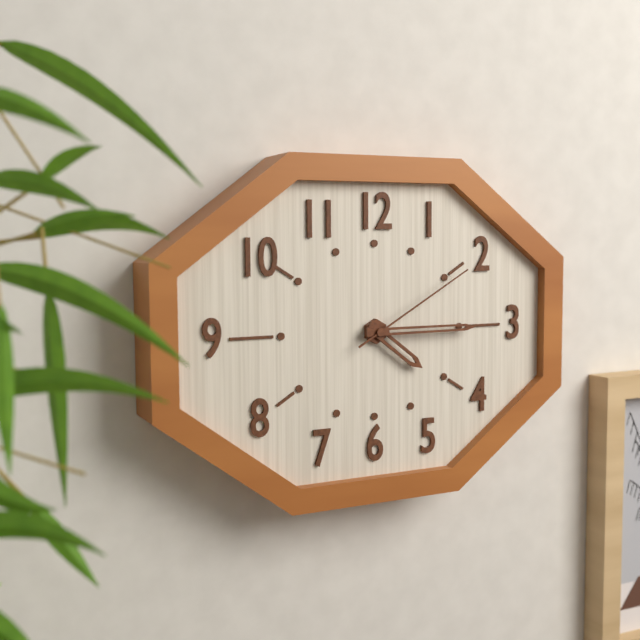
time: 4:15:10
